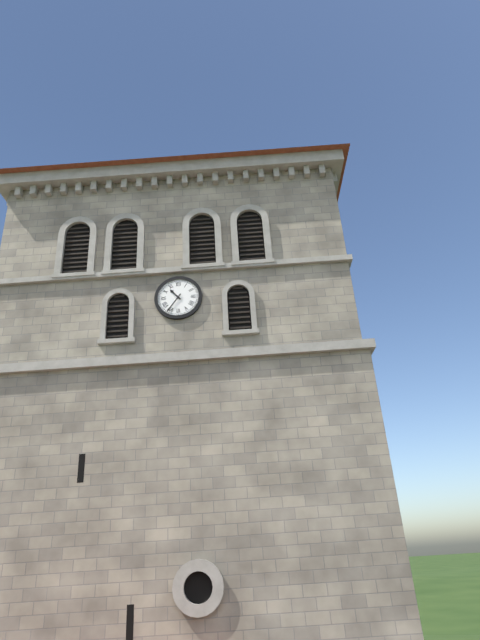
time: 10:36
